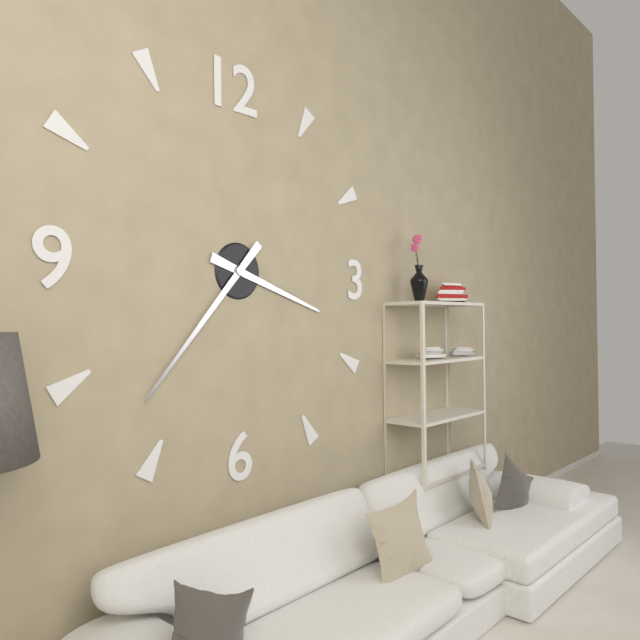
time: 3:37
